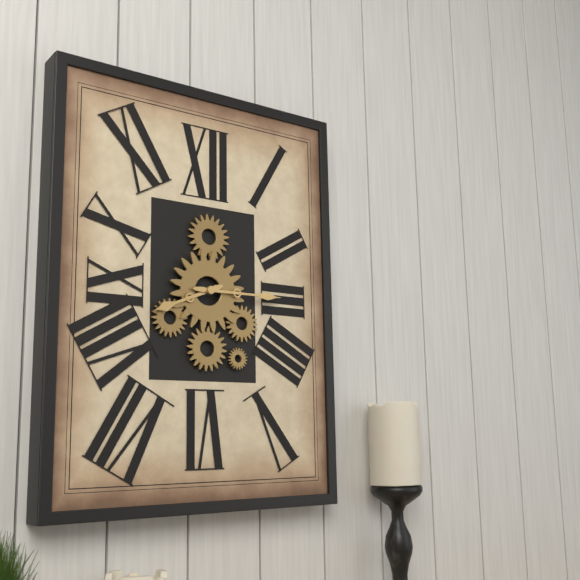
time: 8:15
